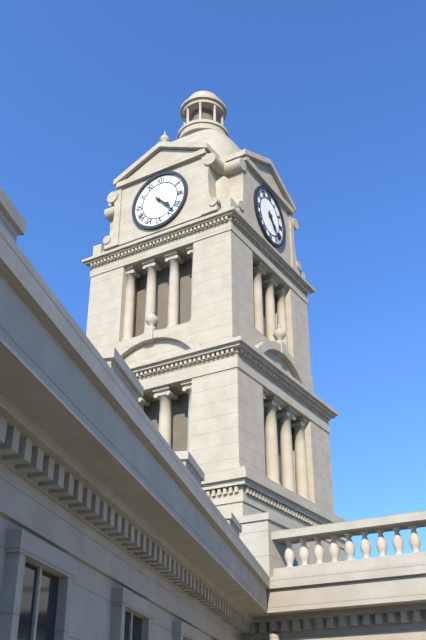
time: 4:23
